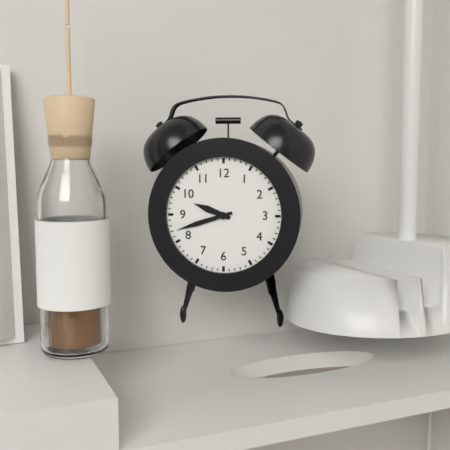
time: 9:42
